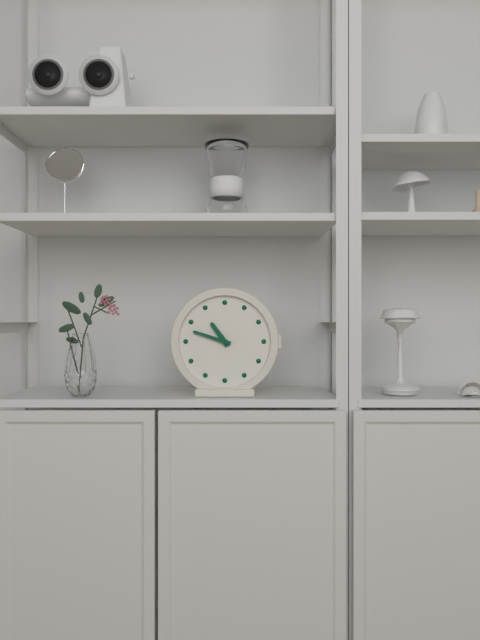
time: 10:48
